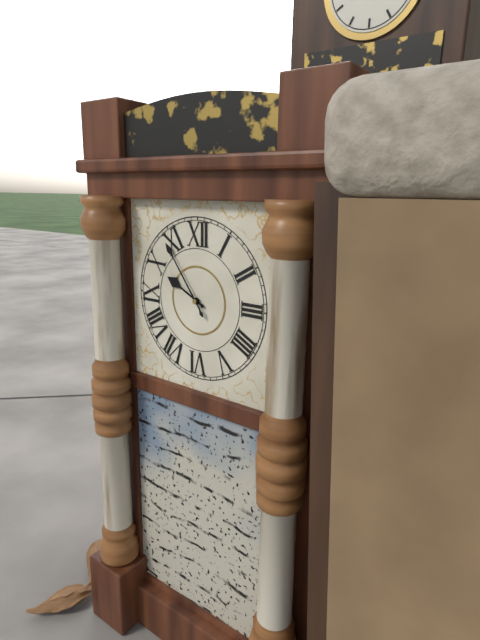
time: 9:54
